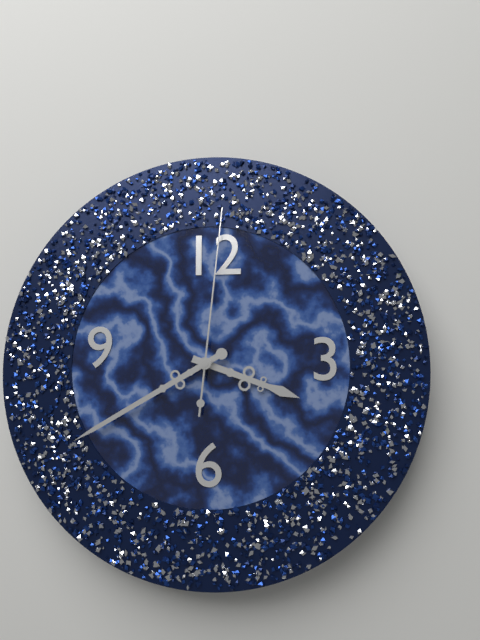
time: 3:40:01
